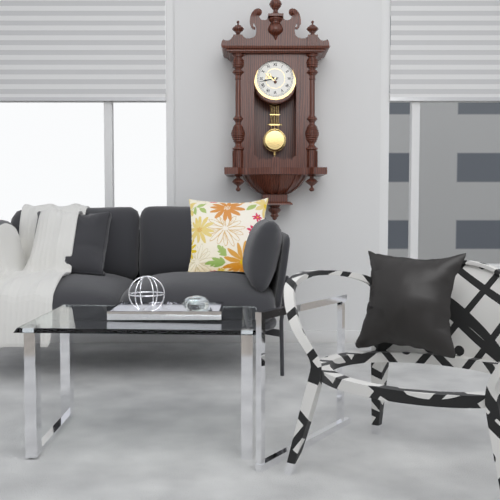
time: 9:43
